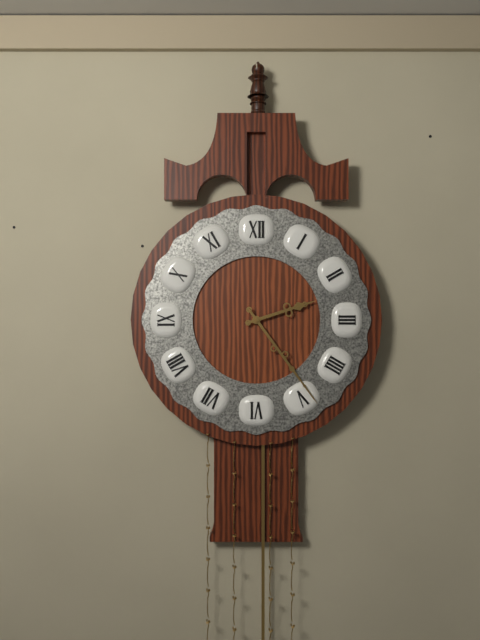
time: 2:24
